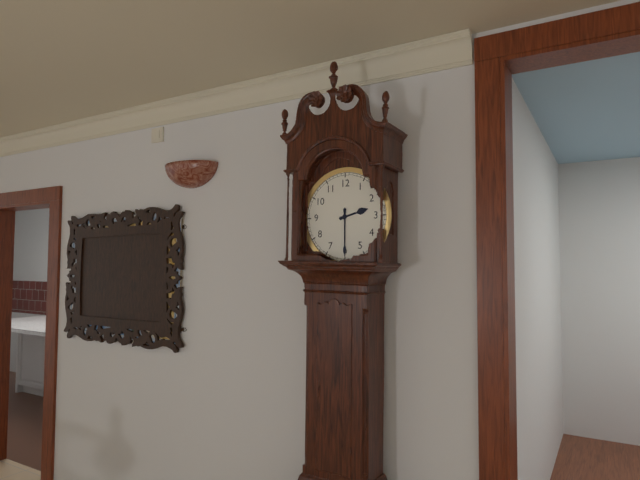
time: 2:30
